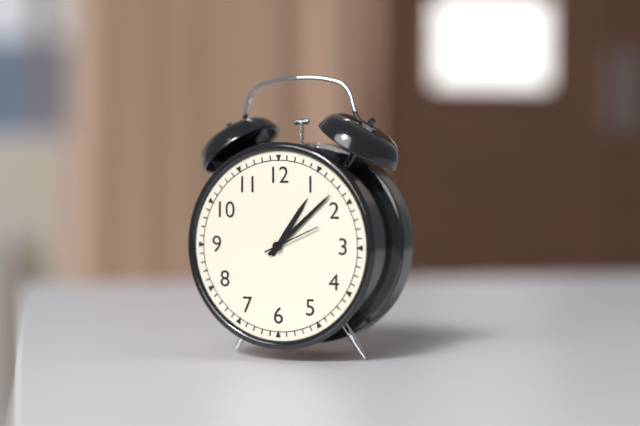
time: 1:08:11
